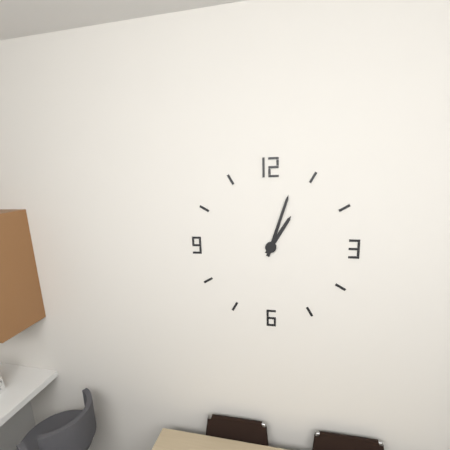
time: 1:03
